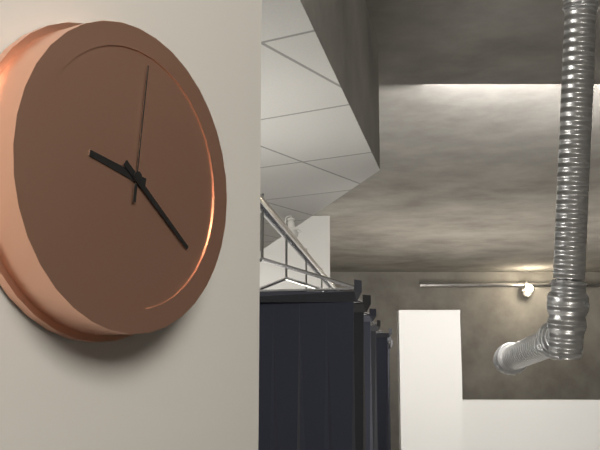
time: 9:21:01
